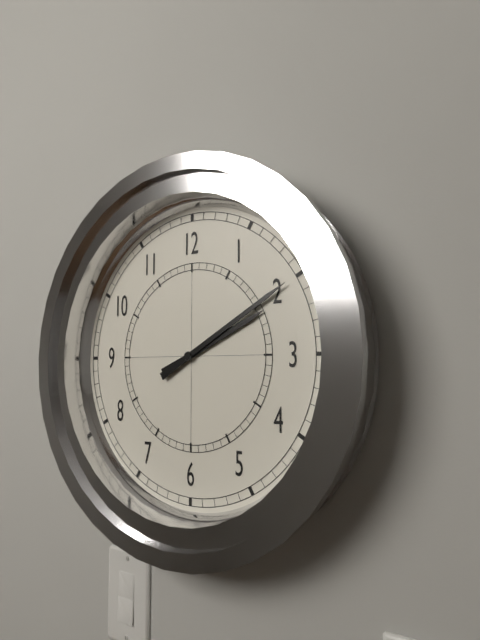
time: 2:10
